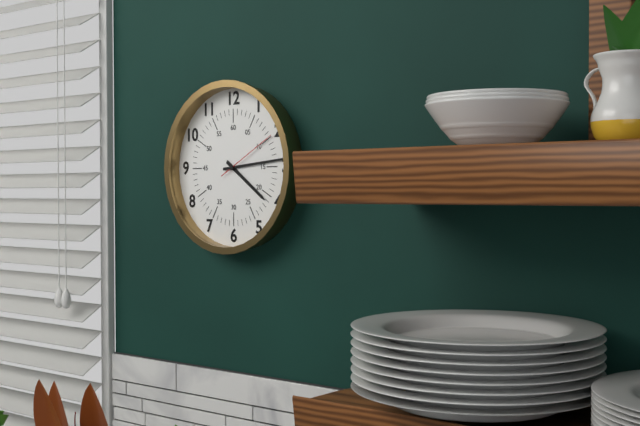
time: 4:14:10
